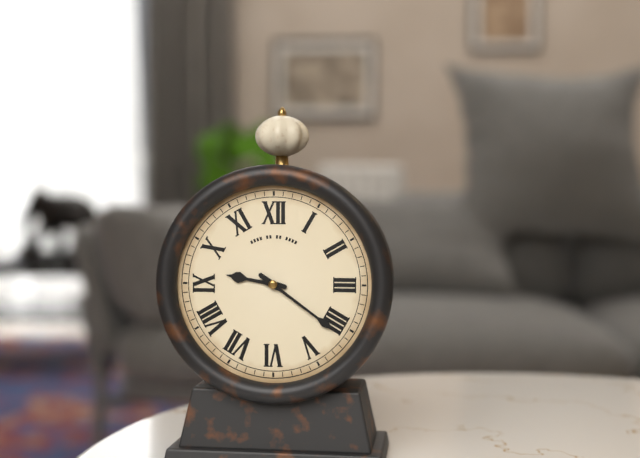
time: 9:21
